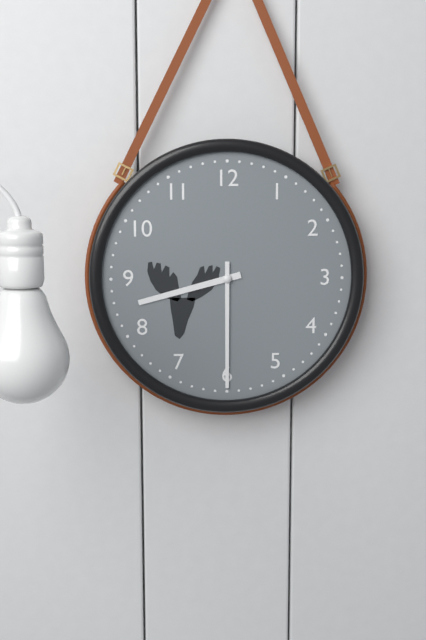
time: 8:30
